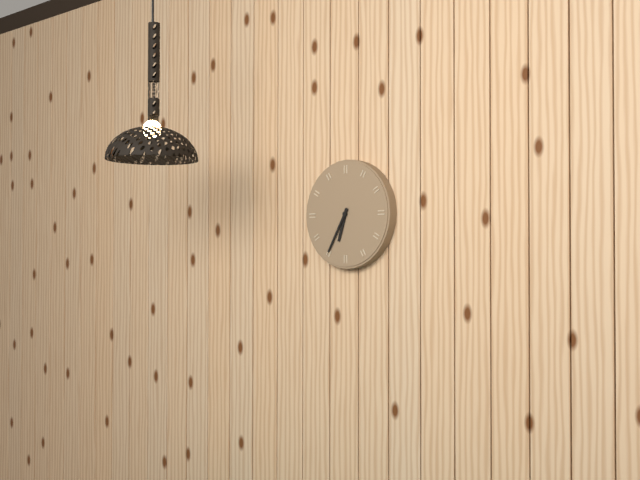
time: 6:35
